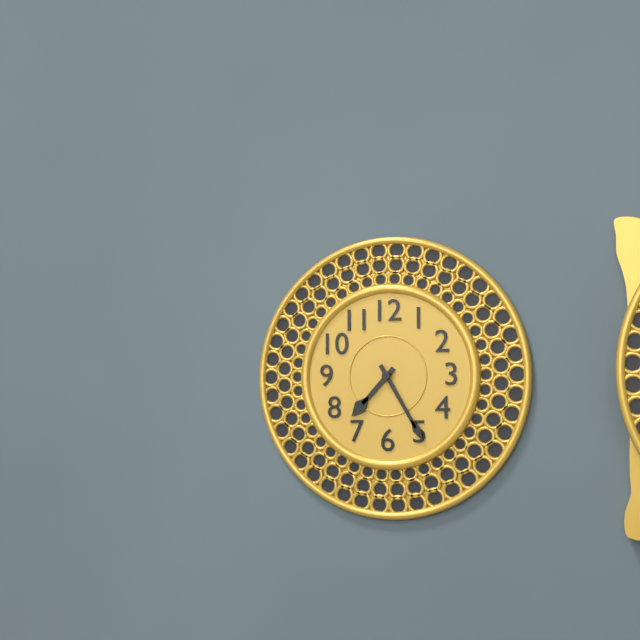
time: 7:25
